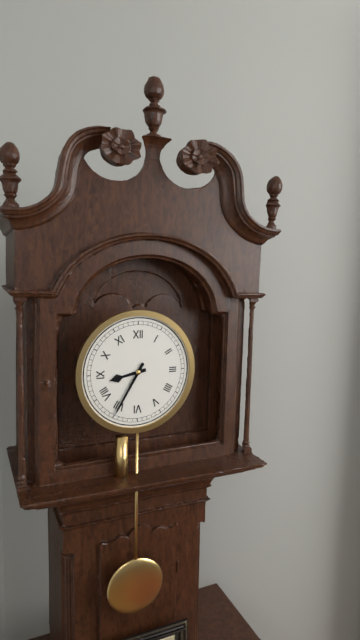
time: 8:35
